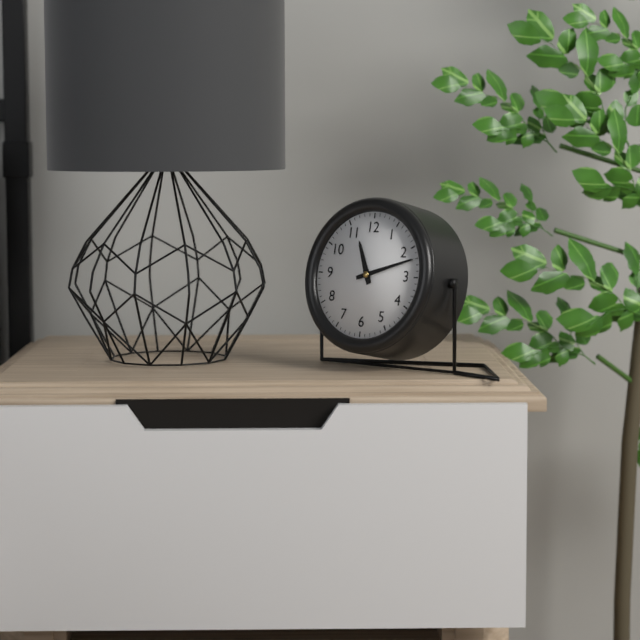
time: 11:12
